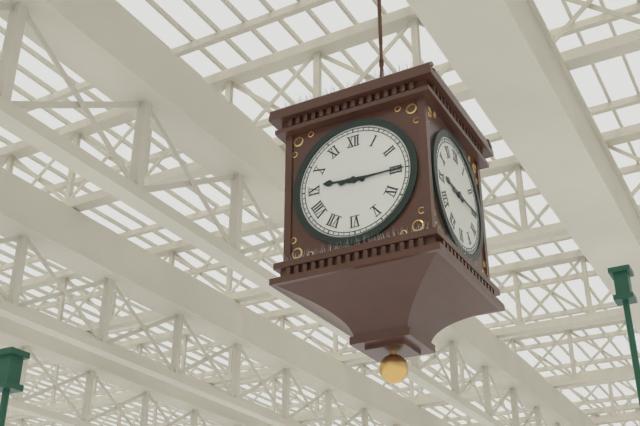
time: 9:15
